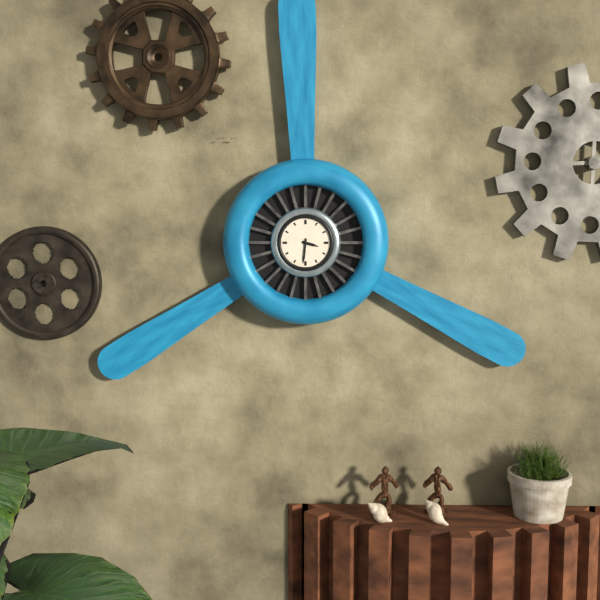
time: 3:31
